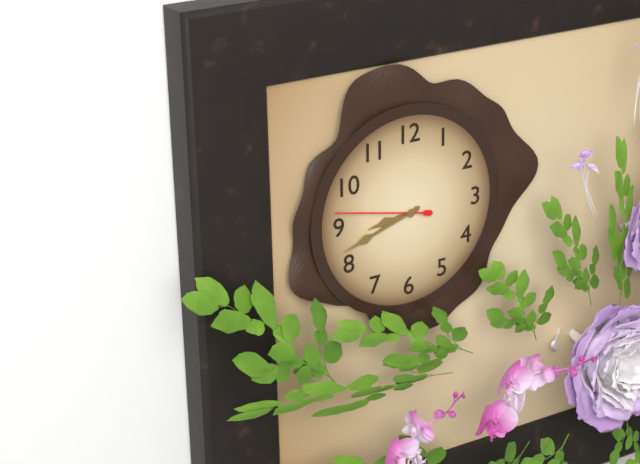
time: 8:42:47
